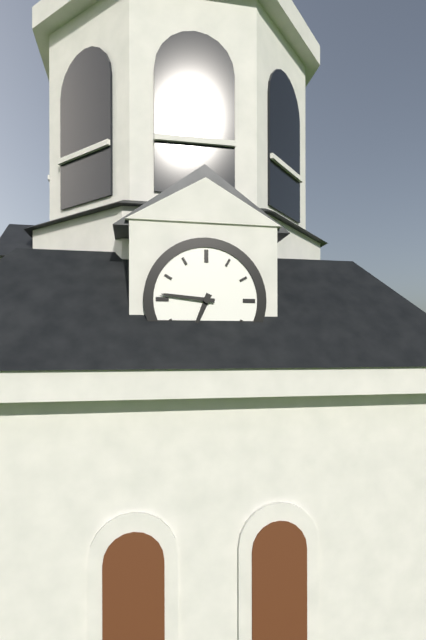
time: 6:46
